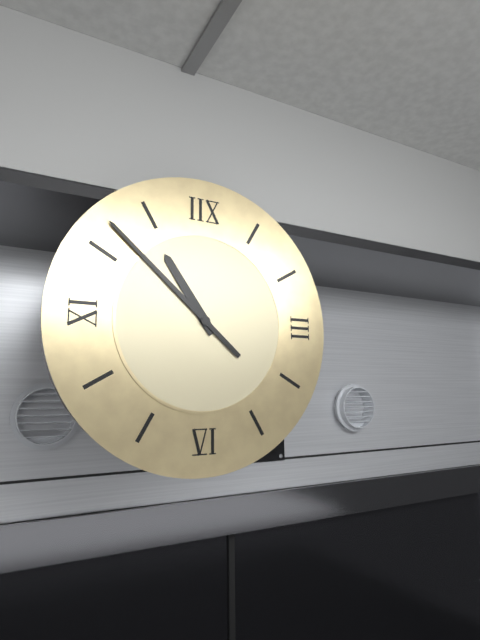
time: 10:52
